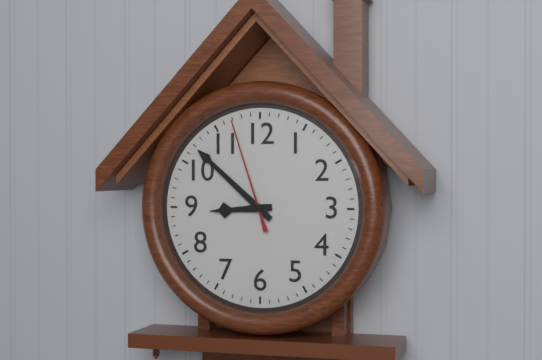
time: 8:52:57
